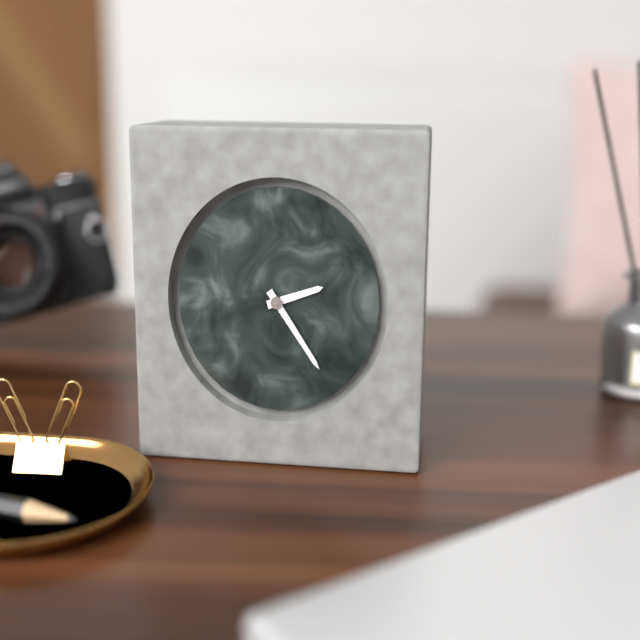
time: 2:24
